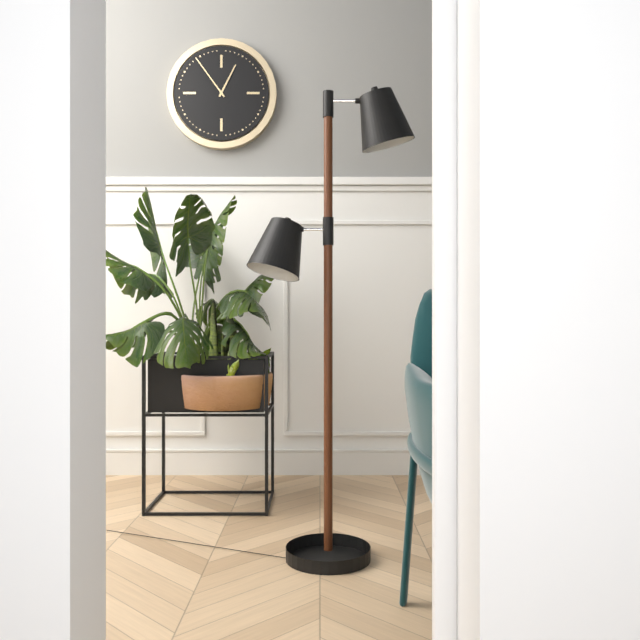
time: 12:54
